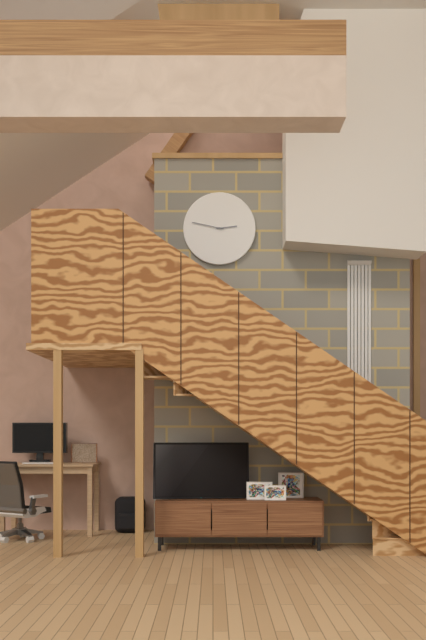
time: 2:47
